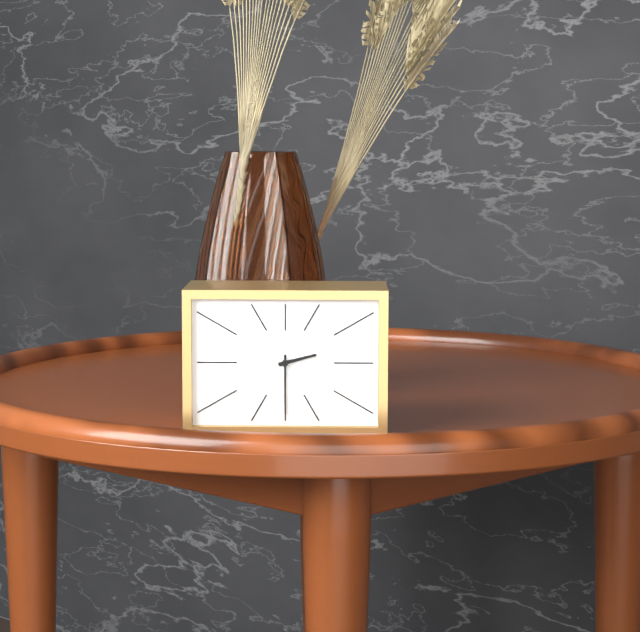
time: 2:30
